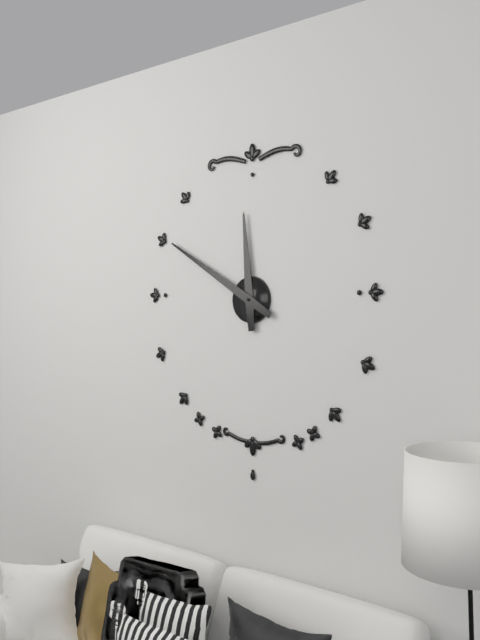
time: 11:50
